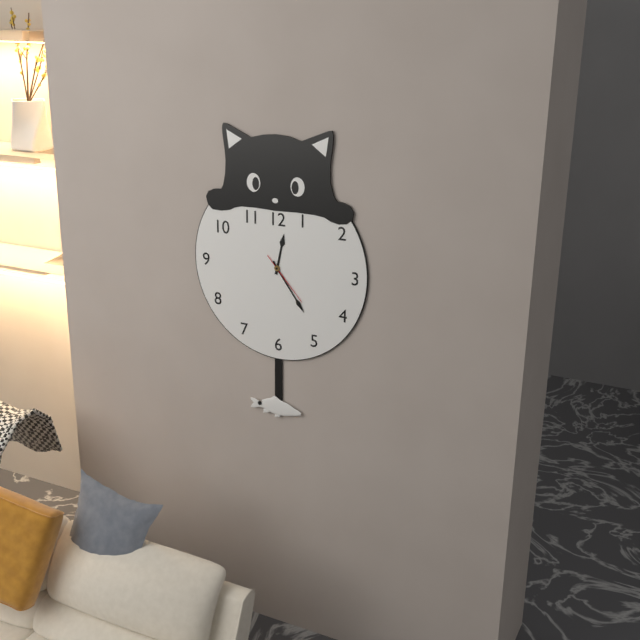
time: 12:24:23
